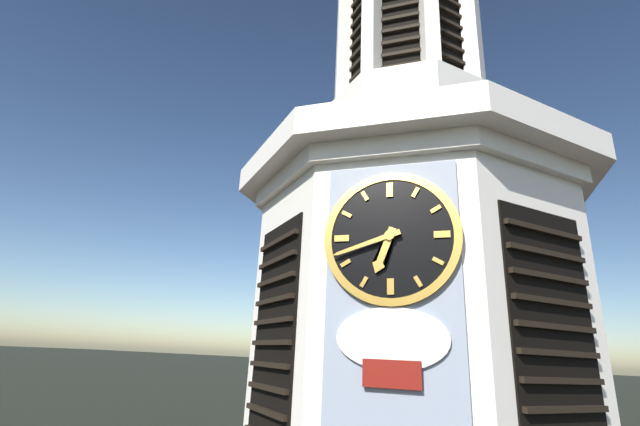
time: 6:42
